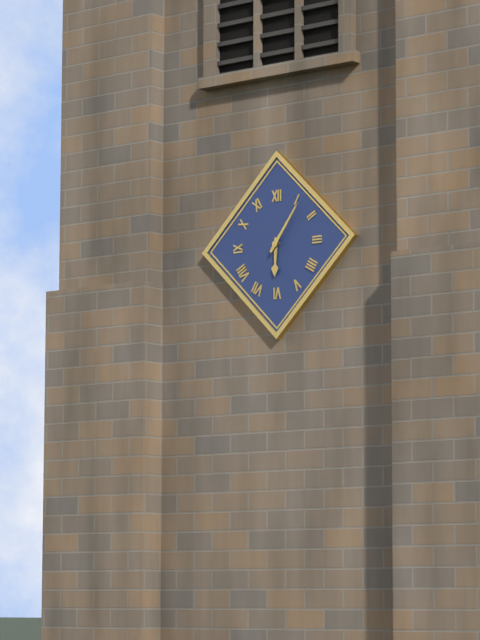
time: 6:06
